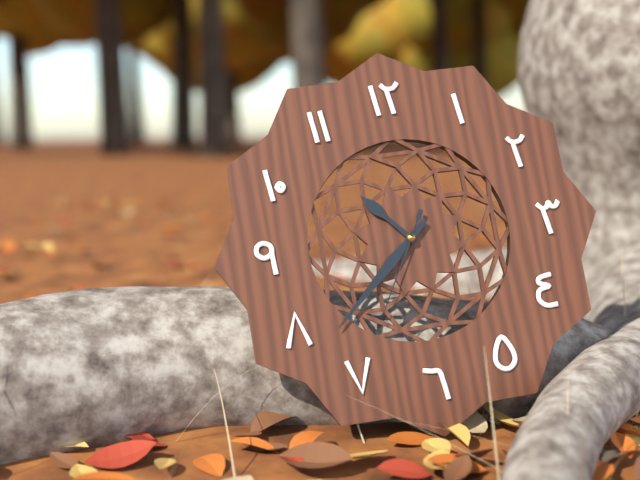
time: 10:38:35
